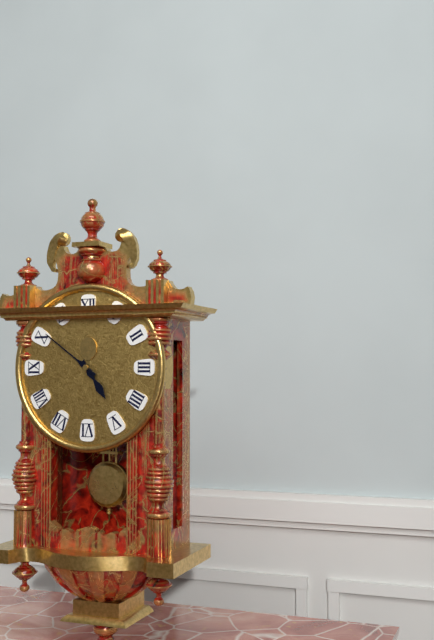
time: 4:51
